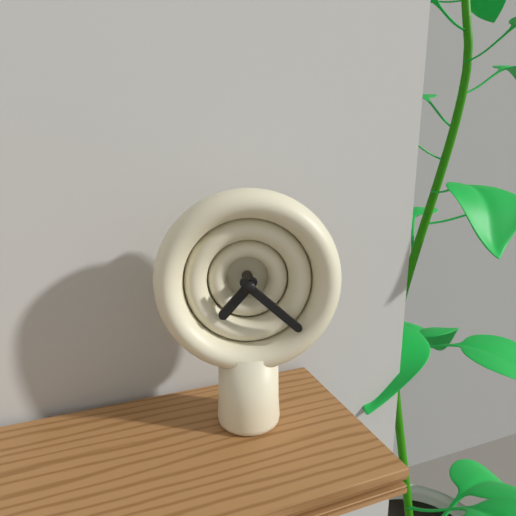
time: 7:22
